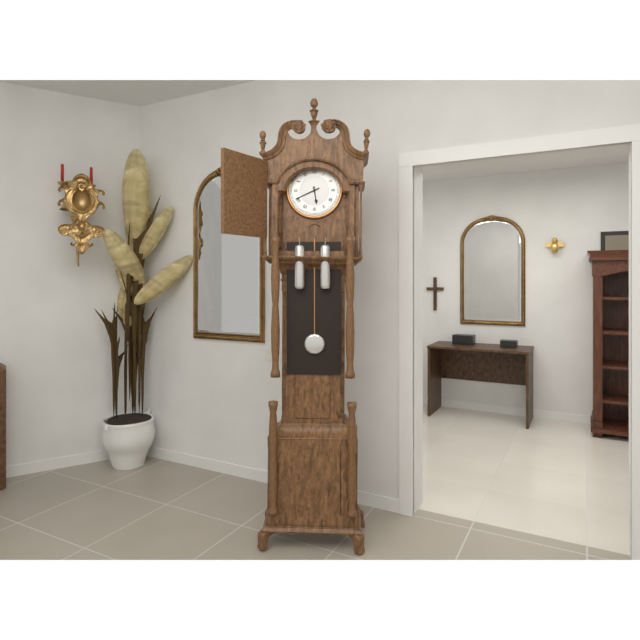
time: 5:41
